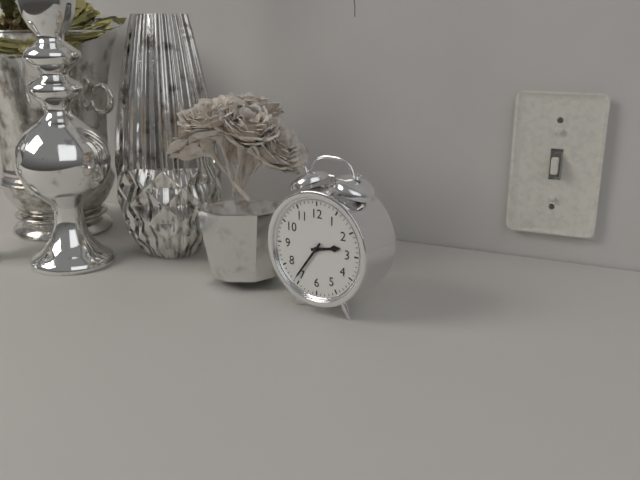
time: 2:36
